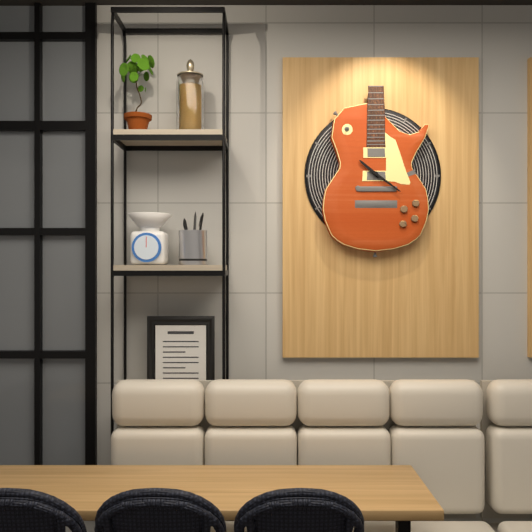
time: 10:21
